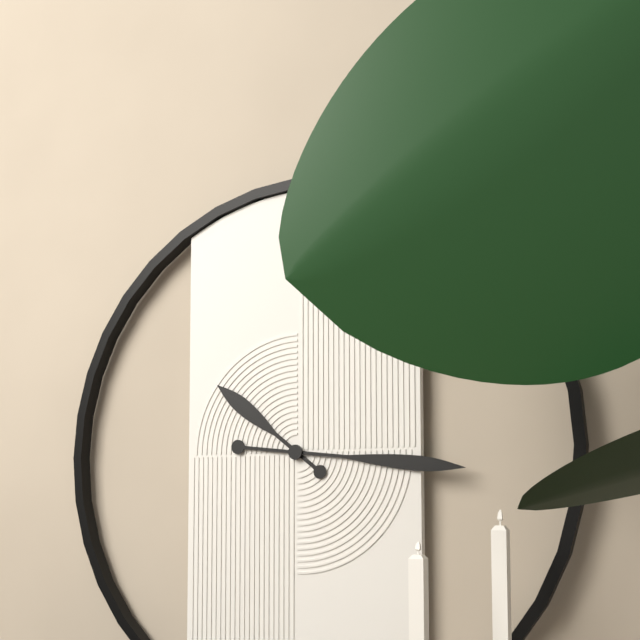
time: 10:16
